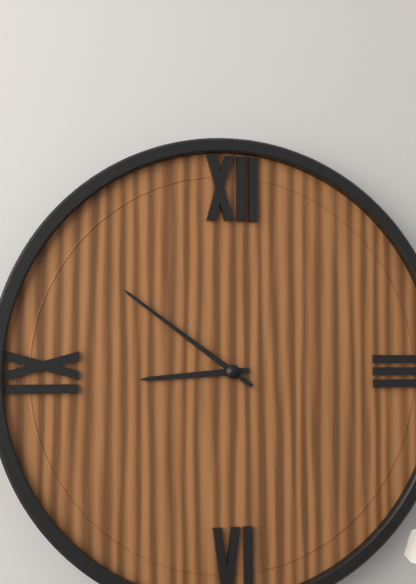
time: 8:51
